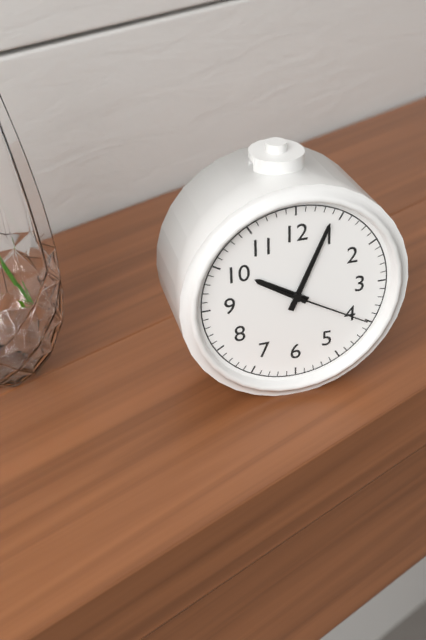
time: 10:04:20
